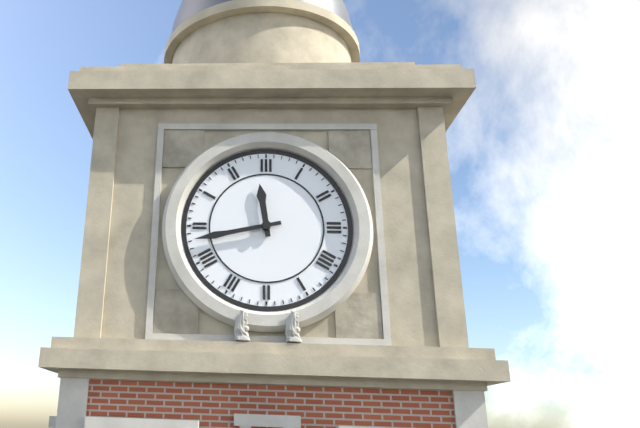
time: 11:43
